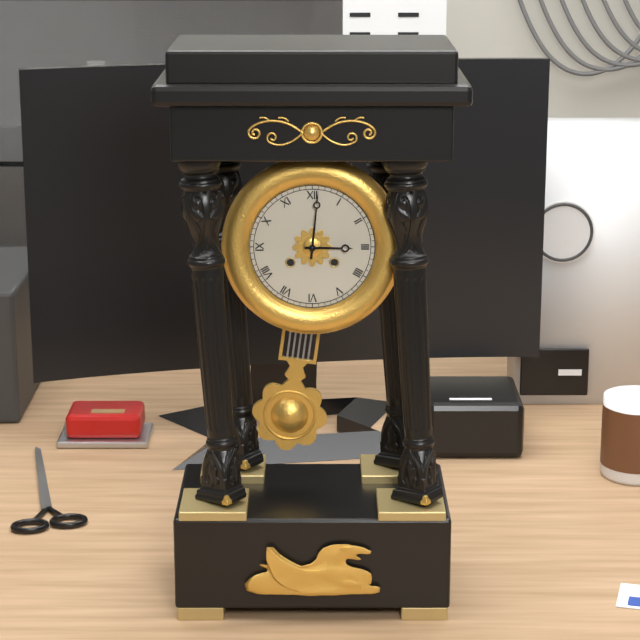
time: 3:01
